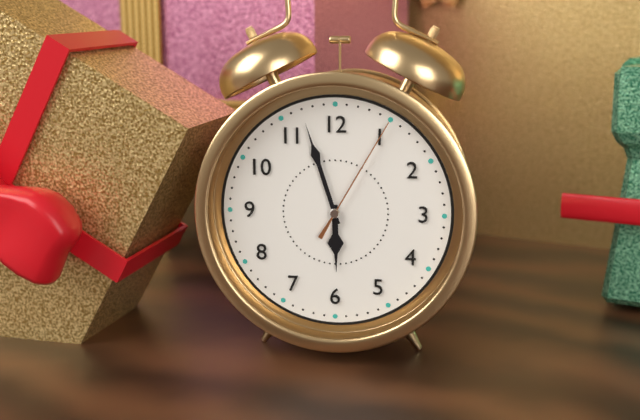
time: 5:57:05
